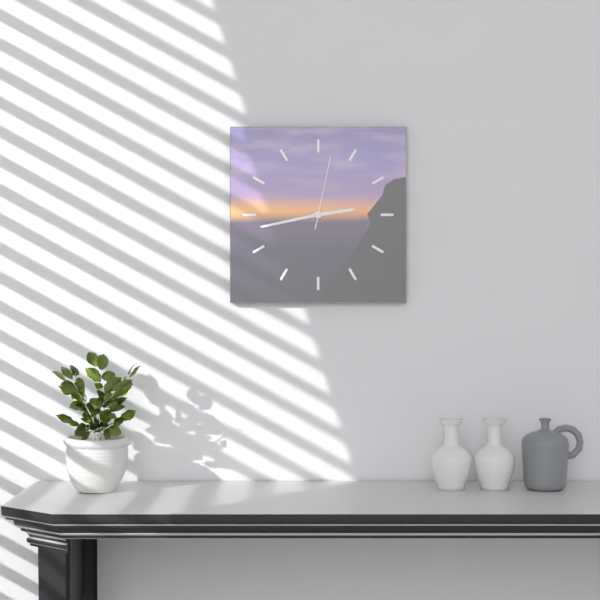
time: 2:43:02
